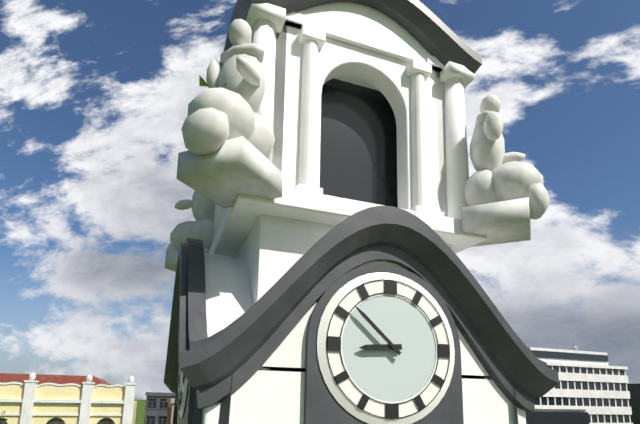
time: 8:52
